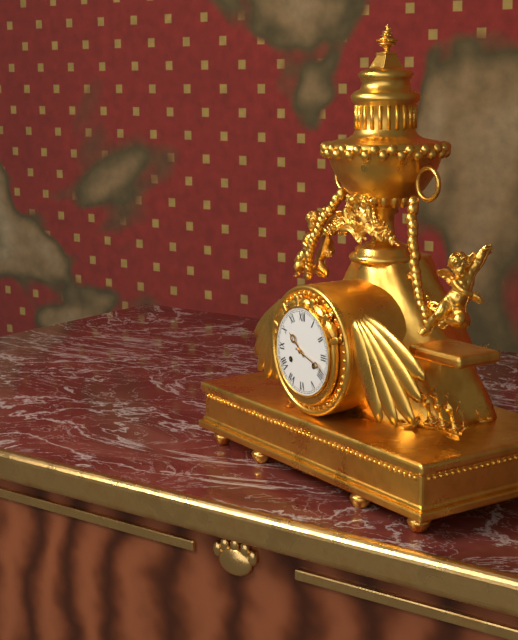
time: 10:18
